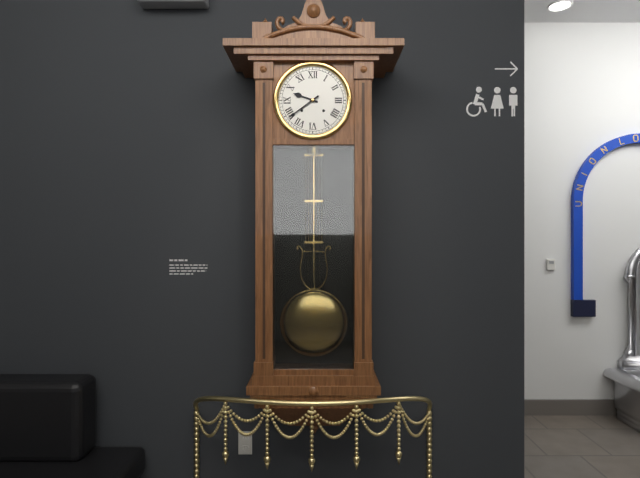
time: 9:39
